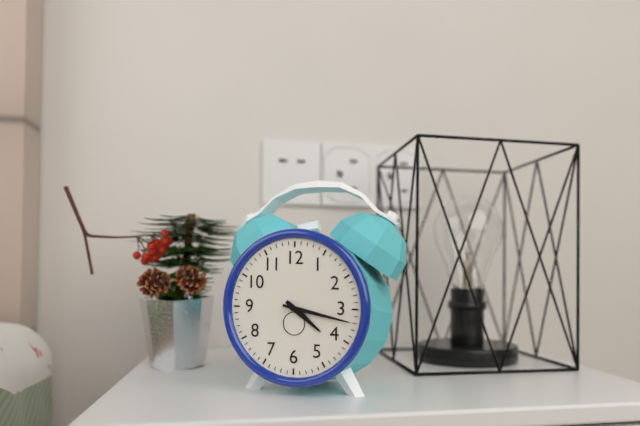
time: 4:17
